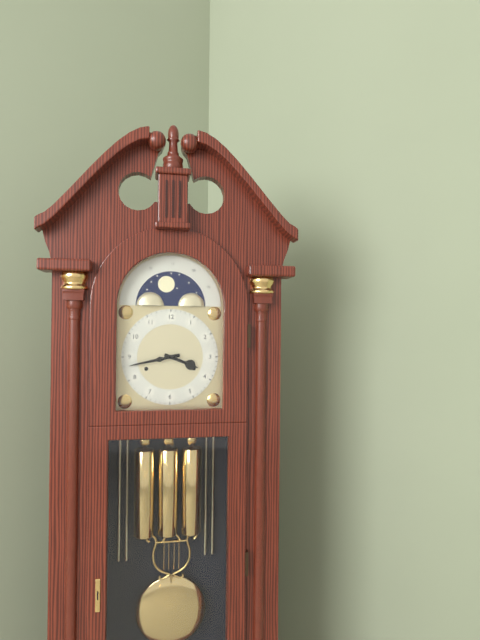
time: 3:43
